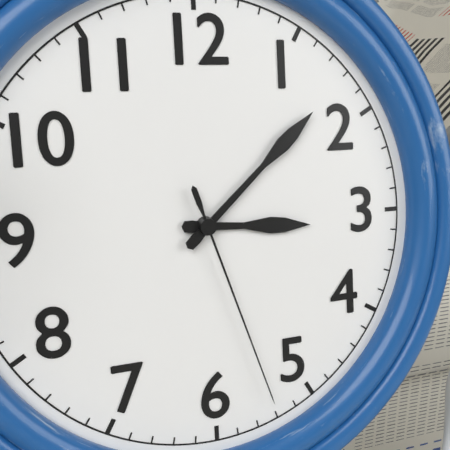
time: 3:08:27
